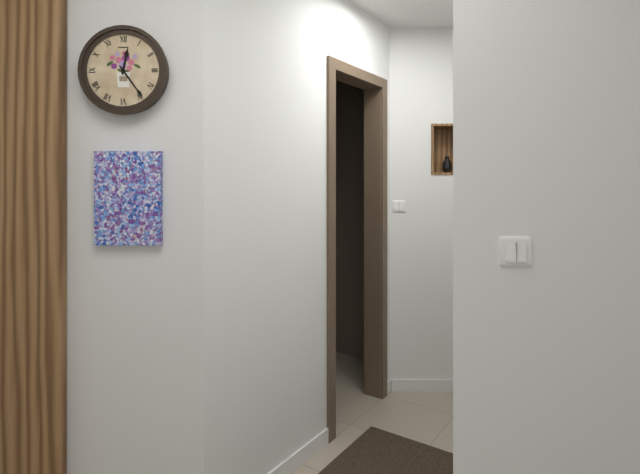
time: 12:24
